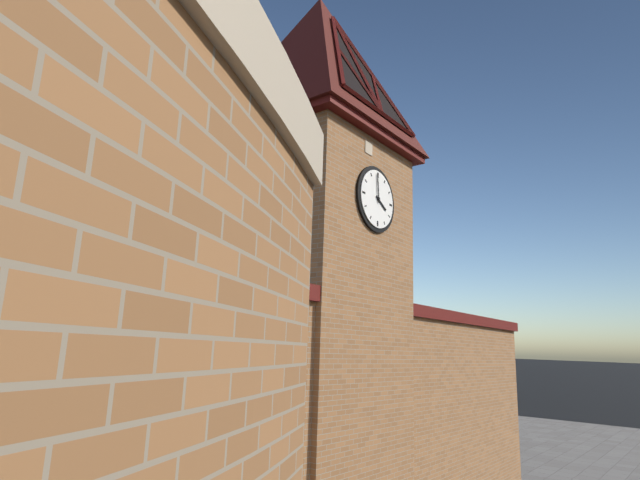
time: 3:59
